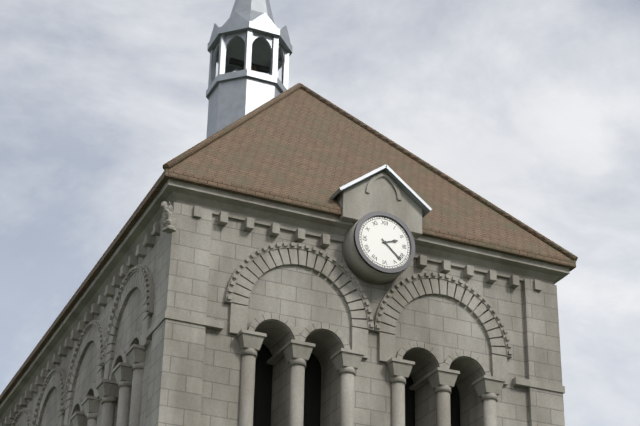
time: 2:22
